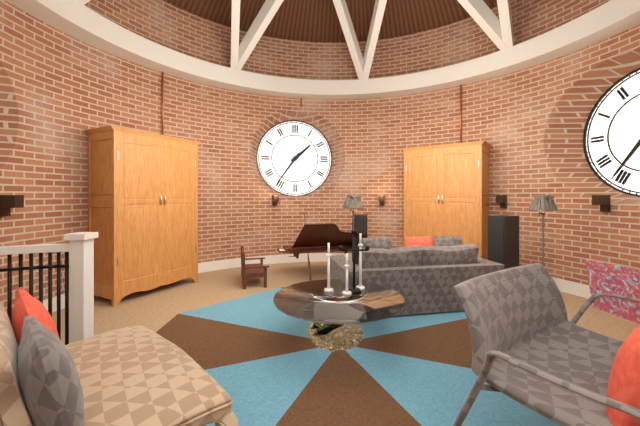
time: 1:36
